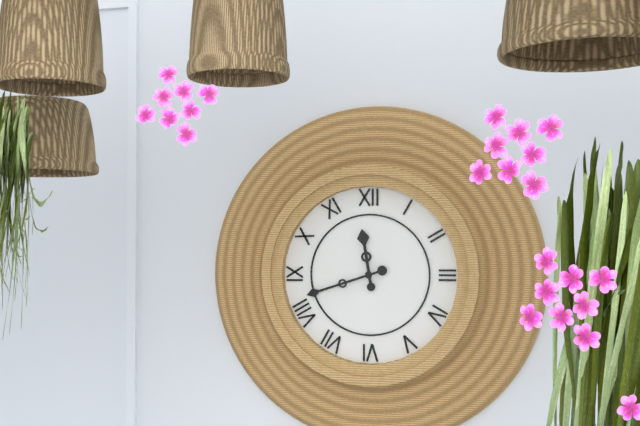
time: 11:42
